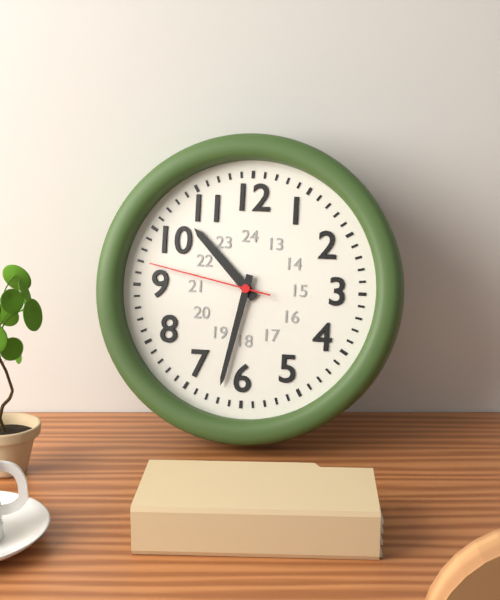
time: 10:32:47
